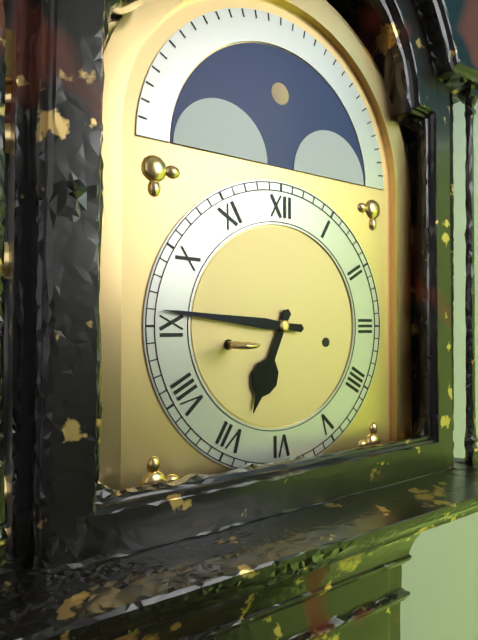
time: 6:46
